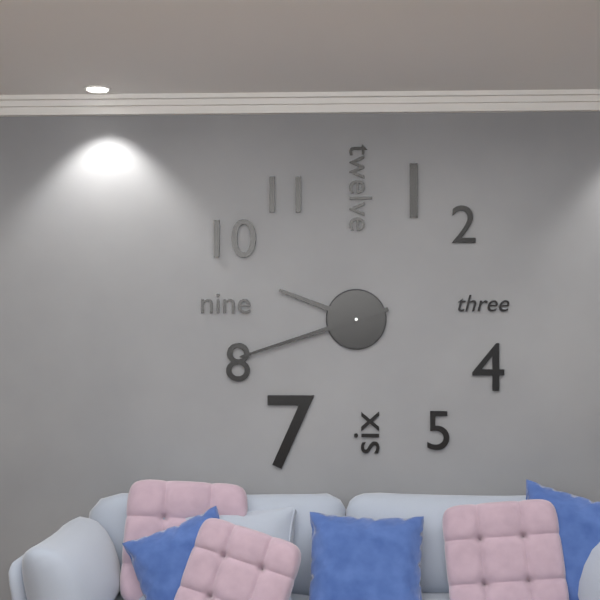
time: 9:42
